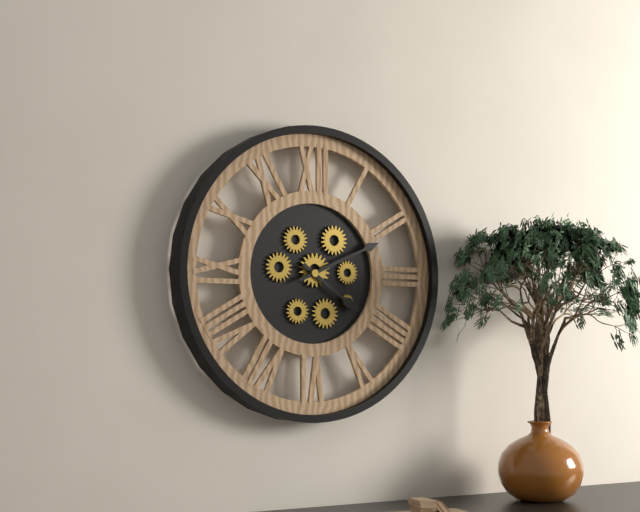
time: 4:11
